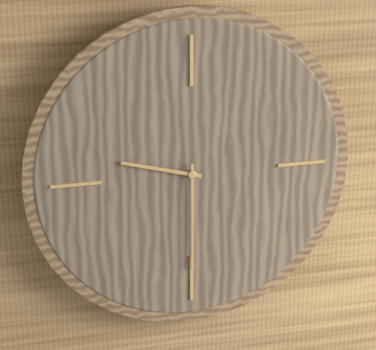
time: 9:30
